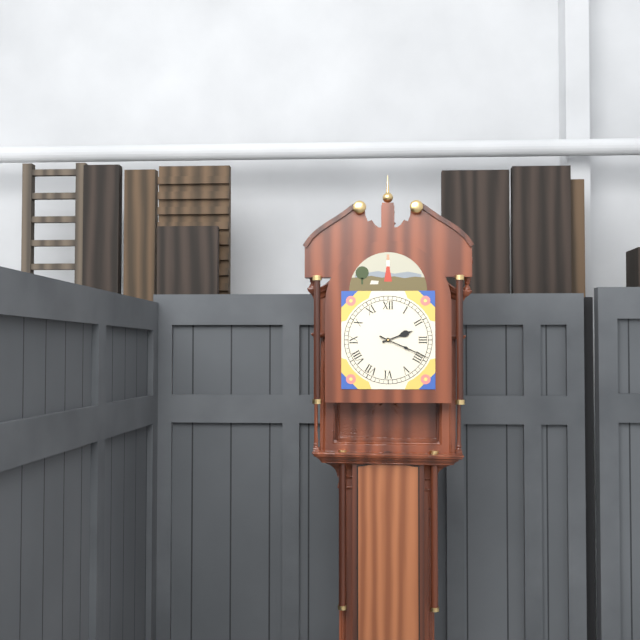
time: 2:19
